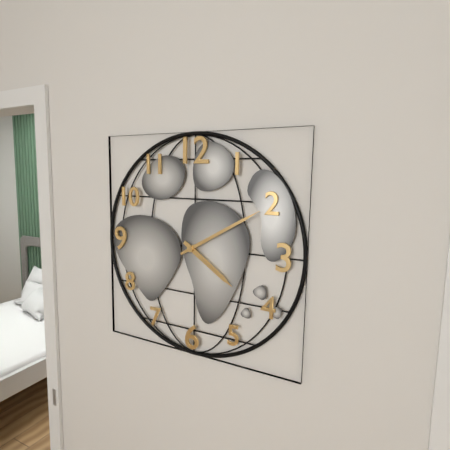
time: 4:10
